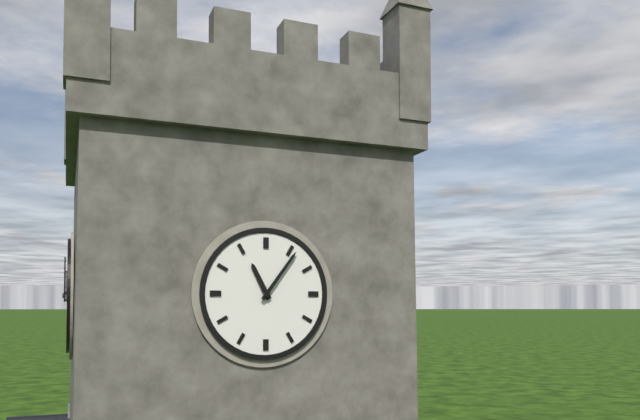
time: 11:06
